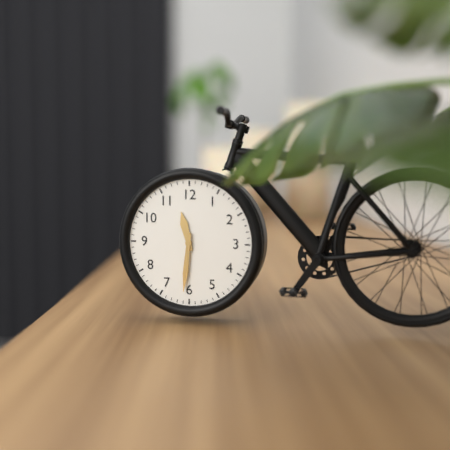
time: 11:31
